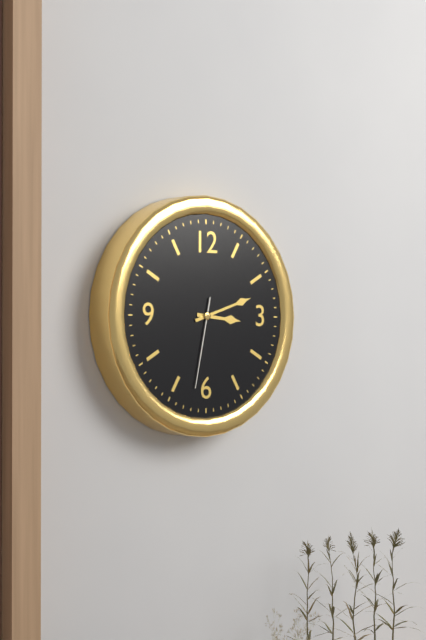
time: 3:12:32
